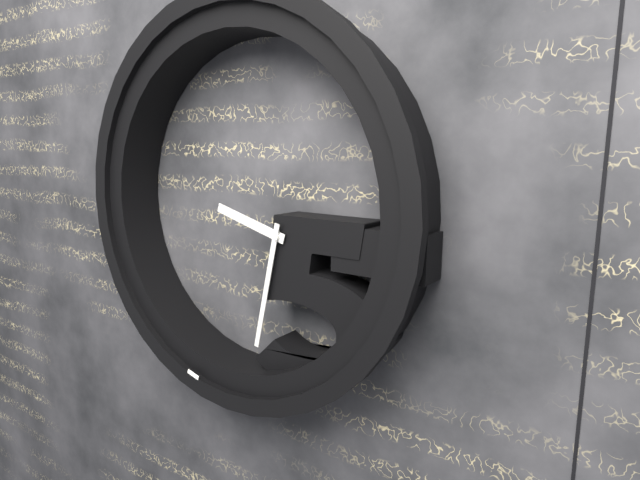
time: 9:32
